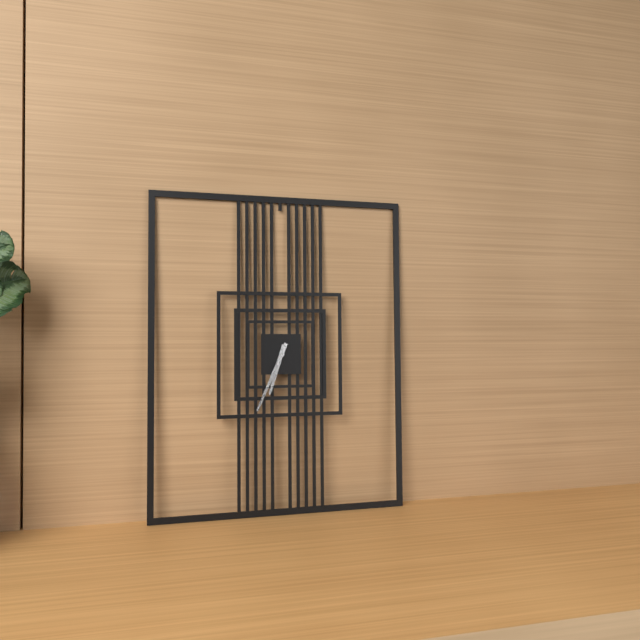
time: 6:34
